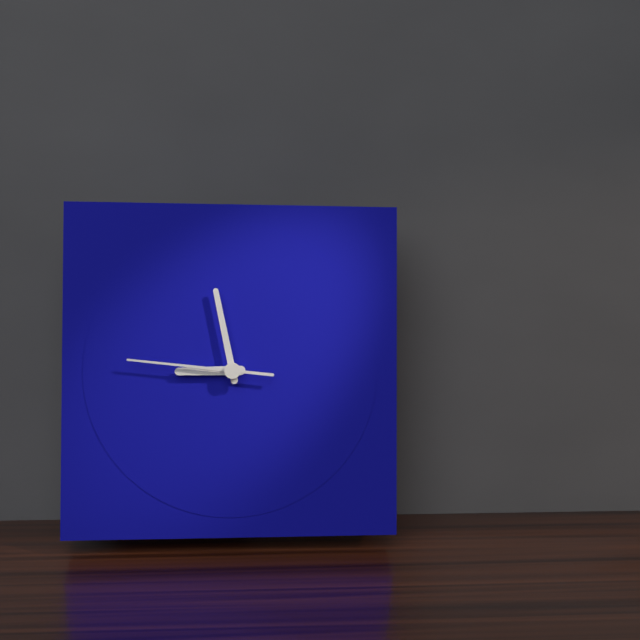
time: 8:58:46
